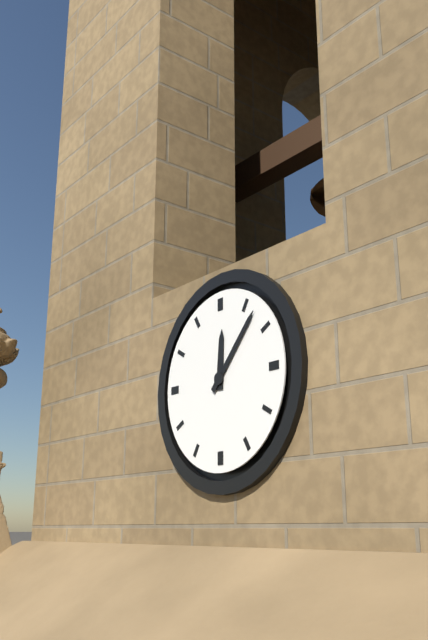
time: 12:07
